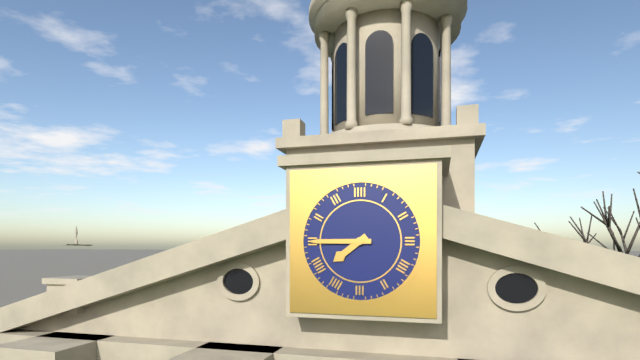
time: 7:45
